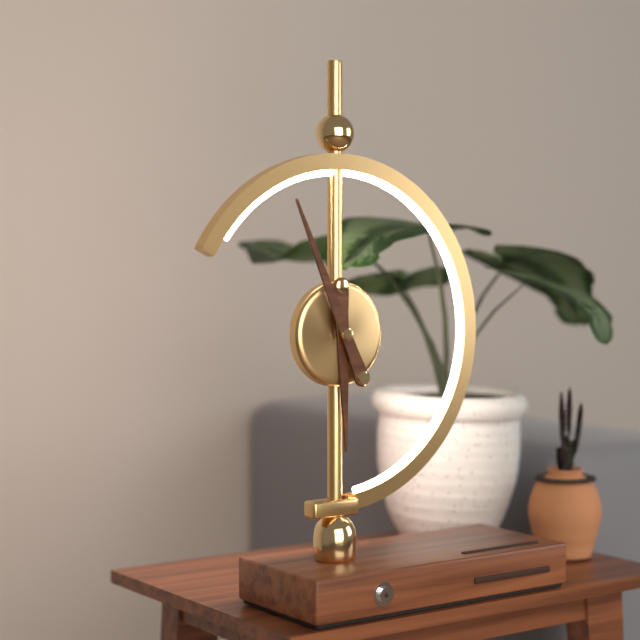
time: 5:56
